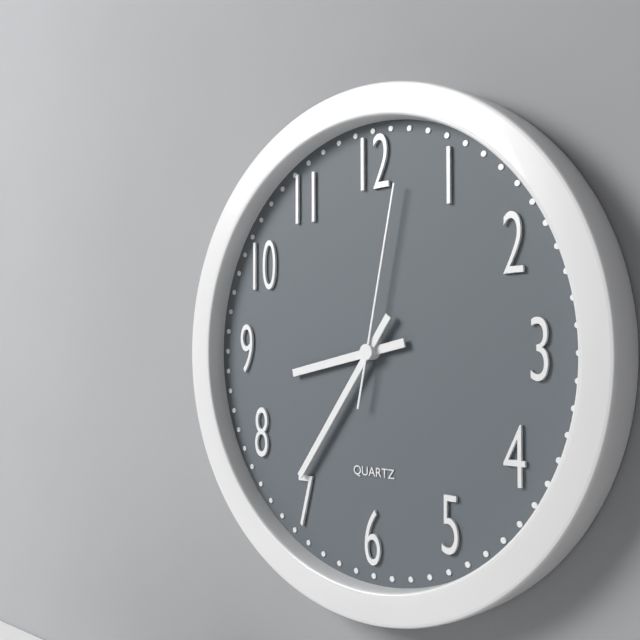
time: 8:36:02
